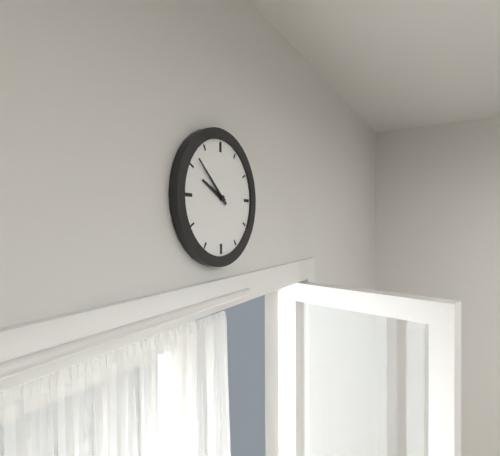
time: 9:52
